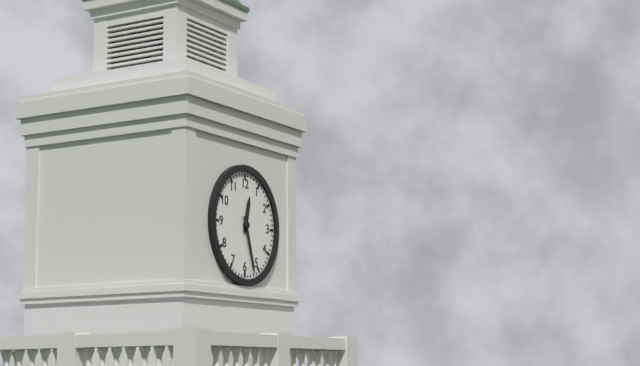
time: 12:27
